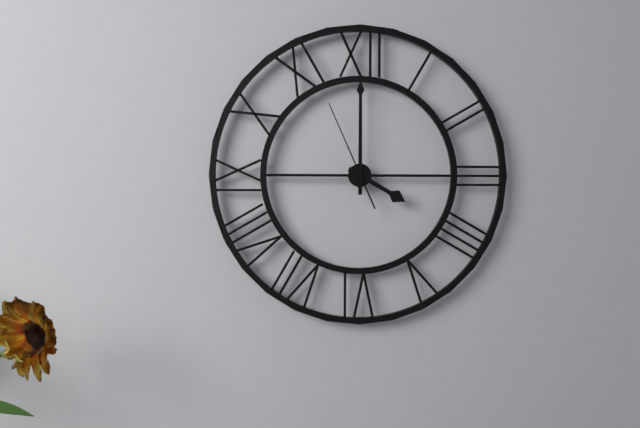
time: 4:00:56
